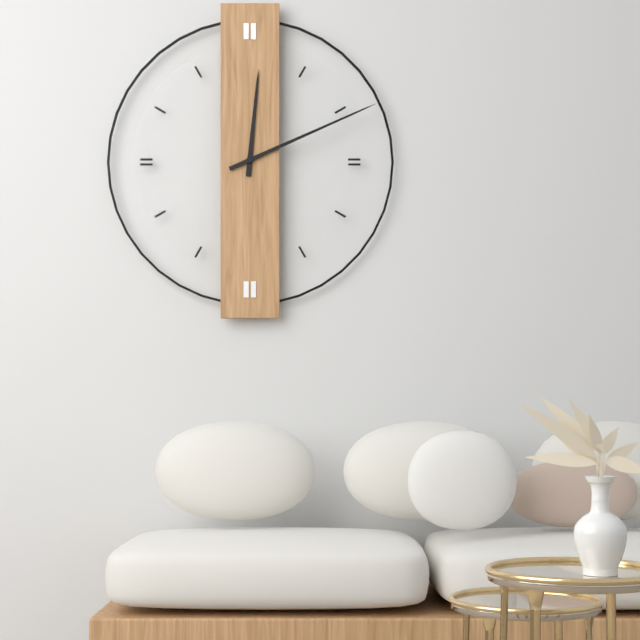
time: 12:11
